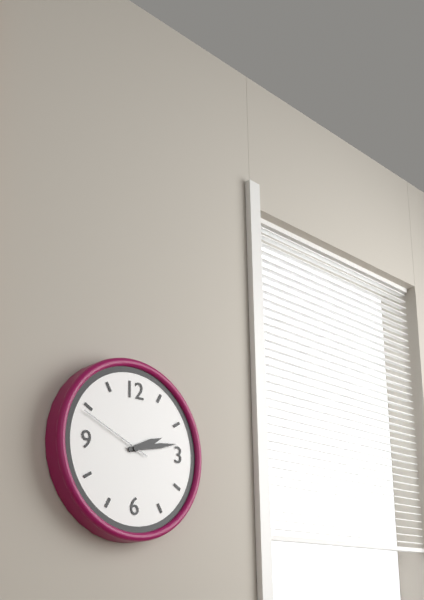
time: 2:13:49
